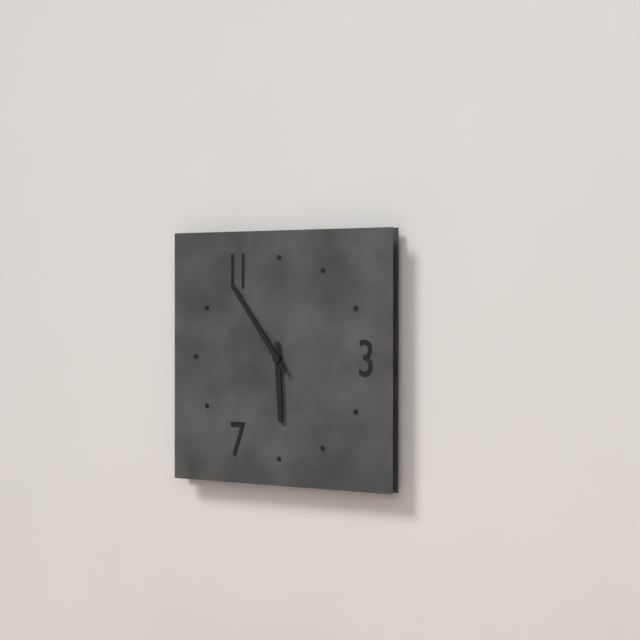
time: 5:54
